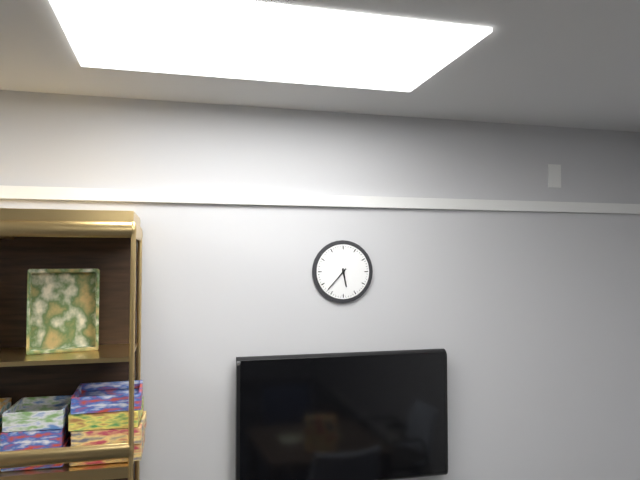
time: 5:37
